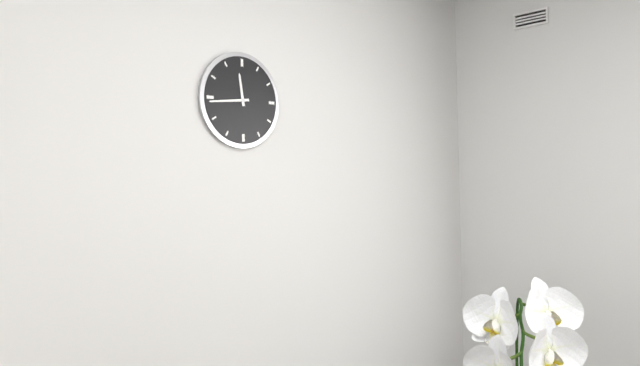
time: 11:44
